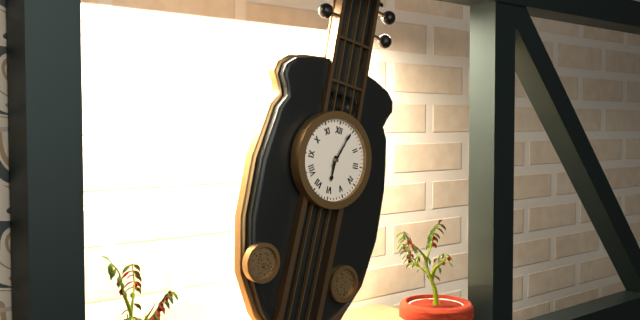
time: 6:04
